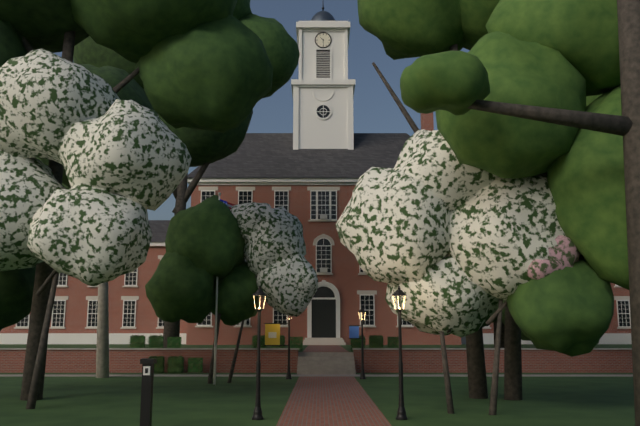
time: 10:30
